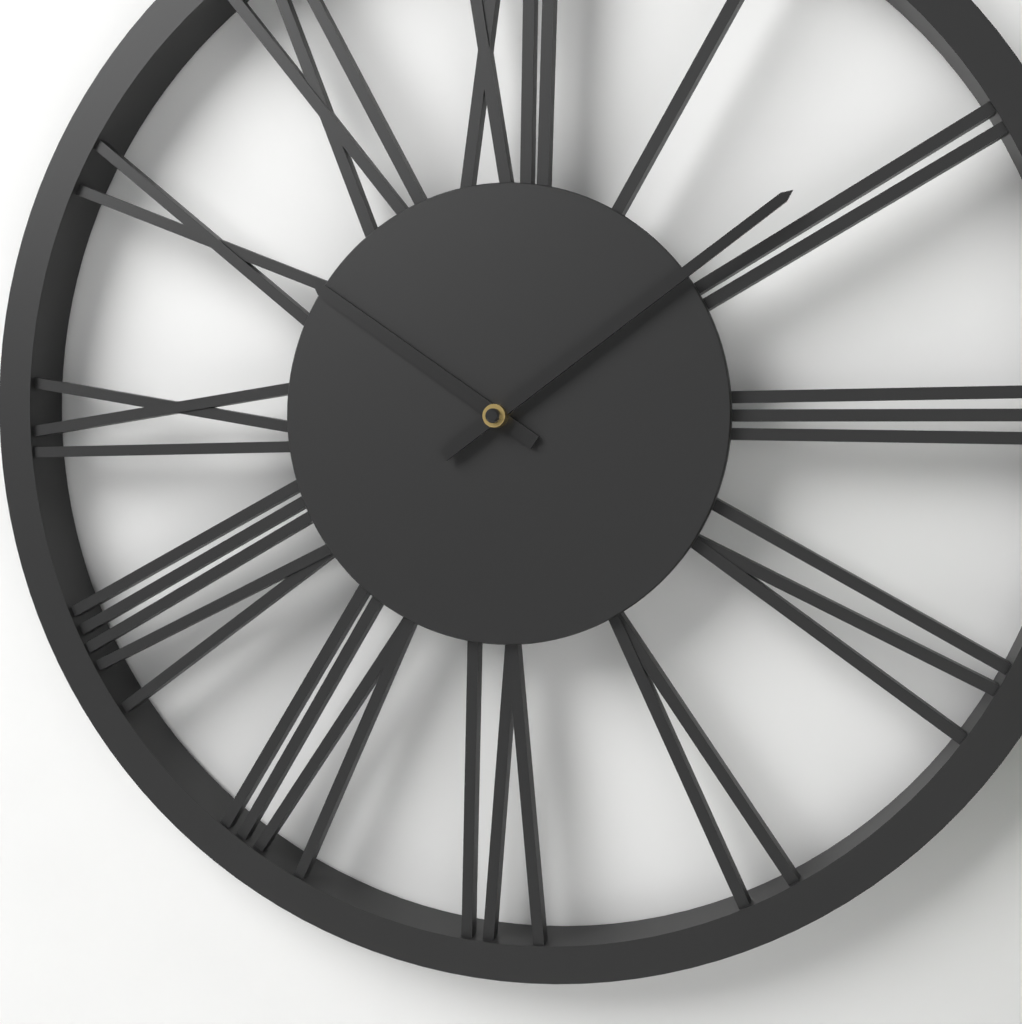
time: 10:09
